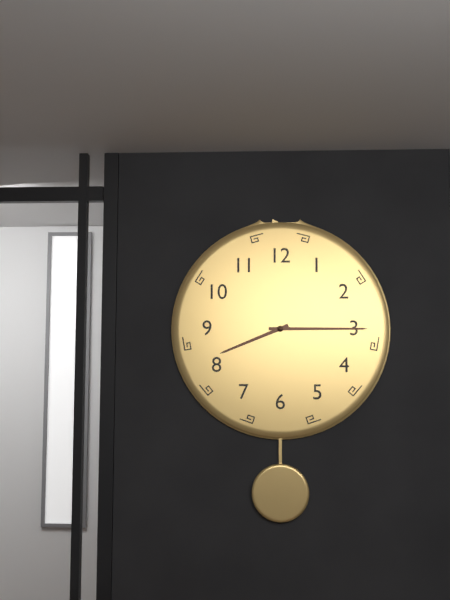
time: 8:15
